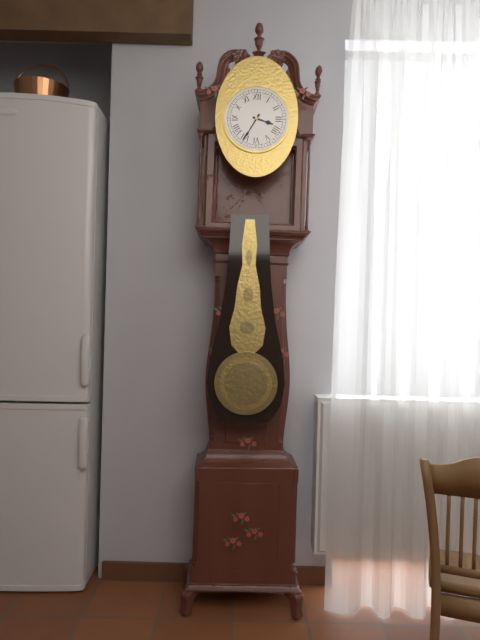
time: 3:35
